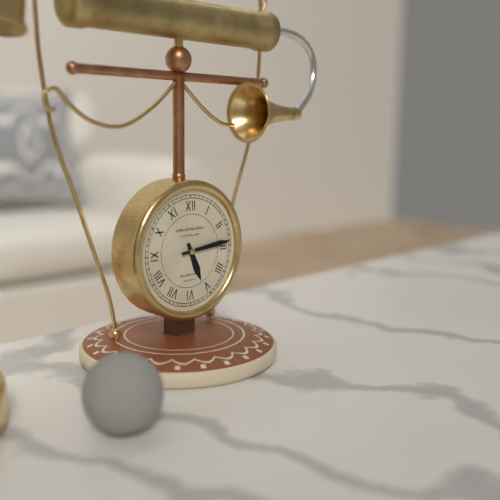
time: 5:14
